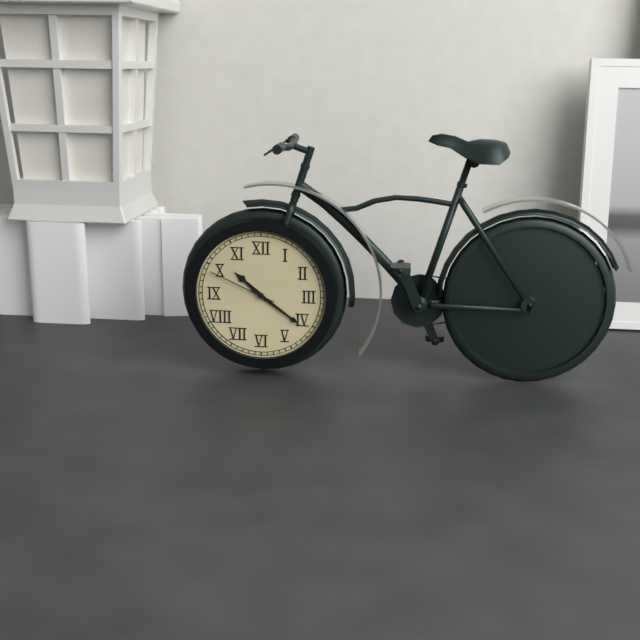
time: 10:21:49
